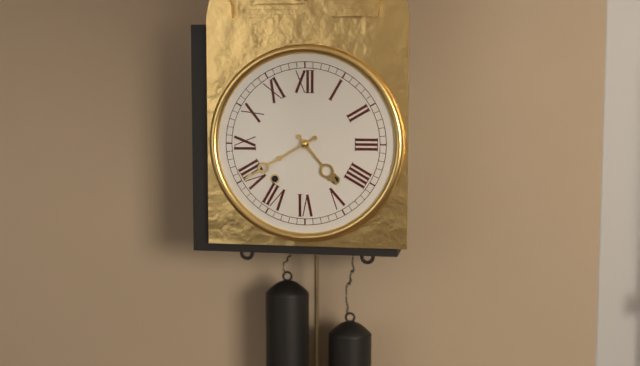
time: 4:40
